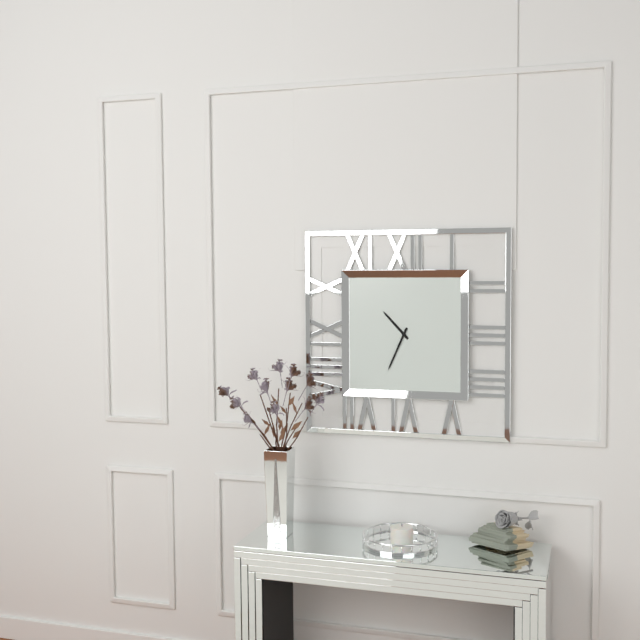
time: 10:34
